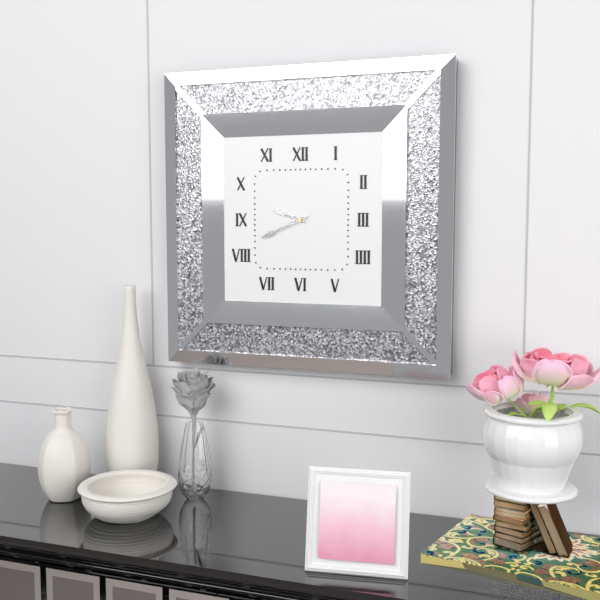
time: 9:41
